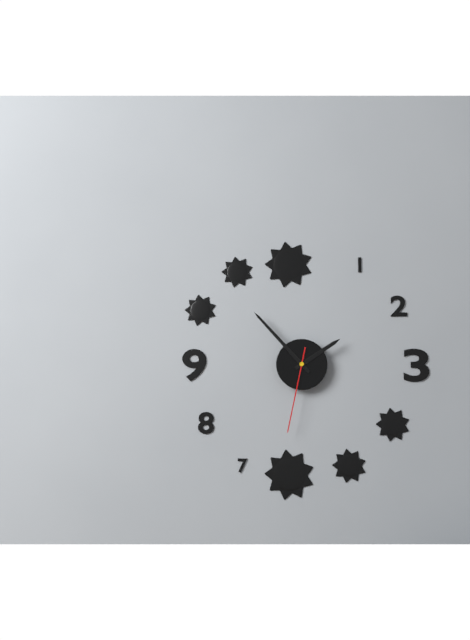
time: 1:53:32
